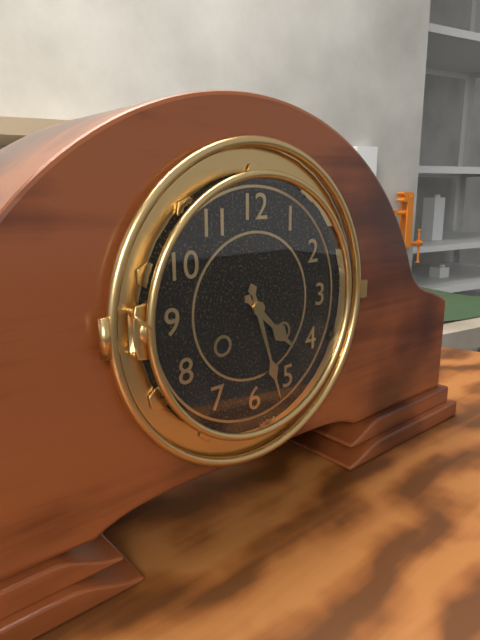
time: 4:27
